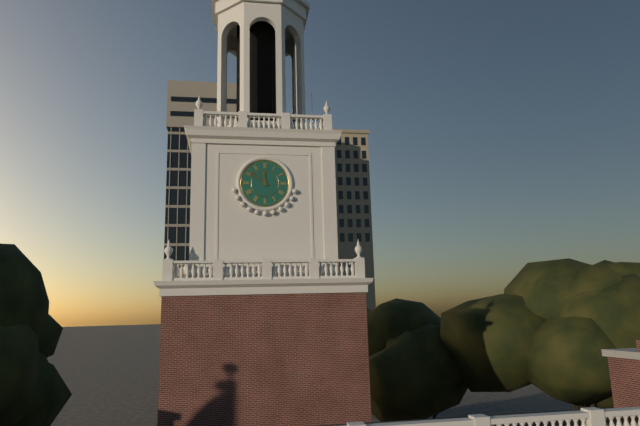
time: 11:51
